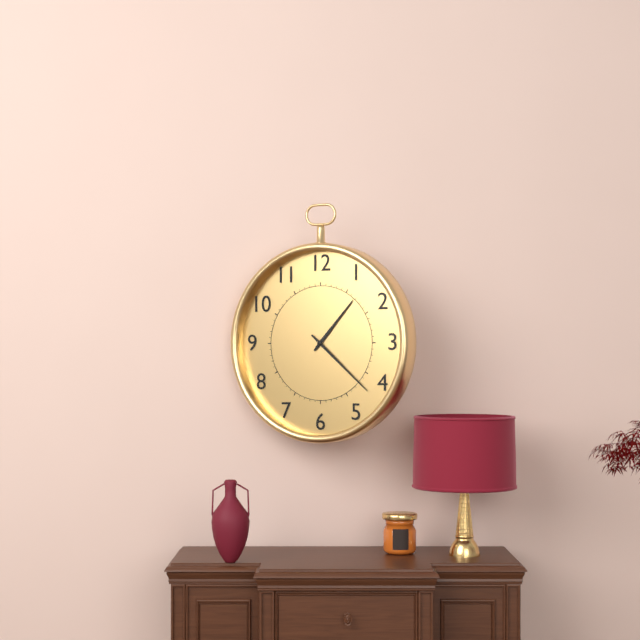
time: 1:22
